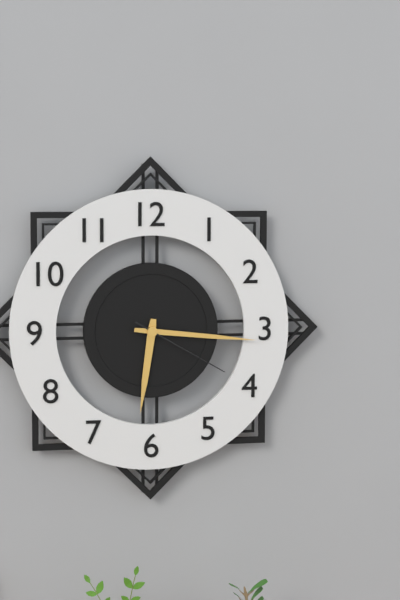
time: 6:16:20
